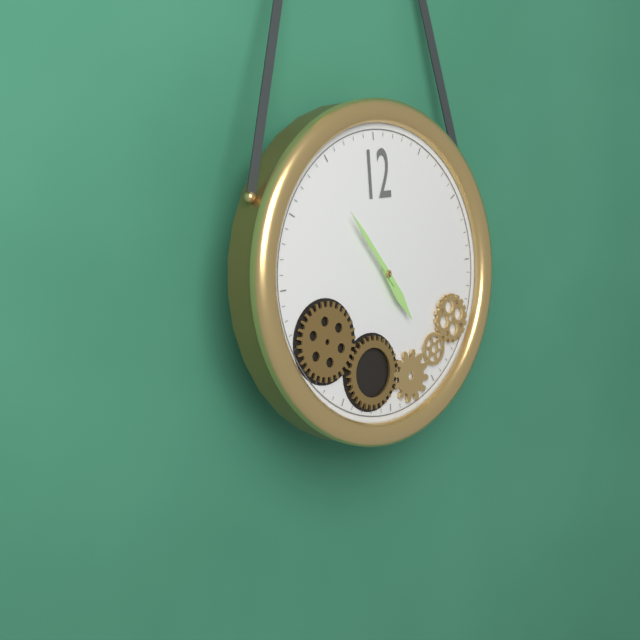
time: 4:54
